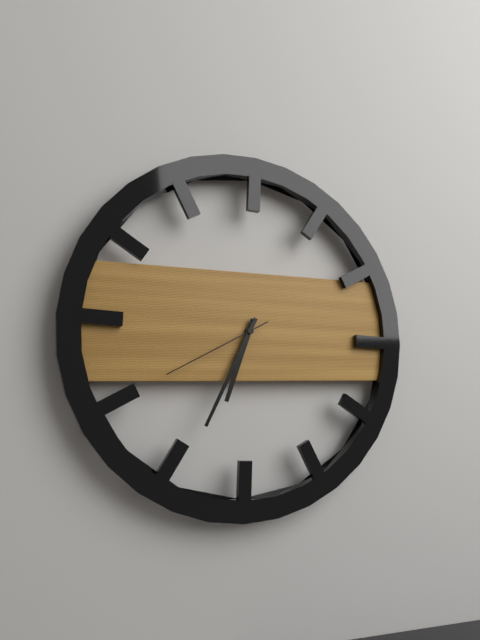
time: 6:34:40
